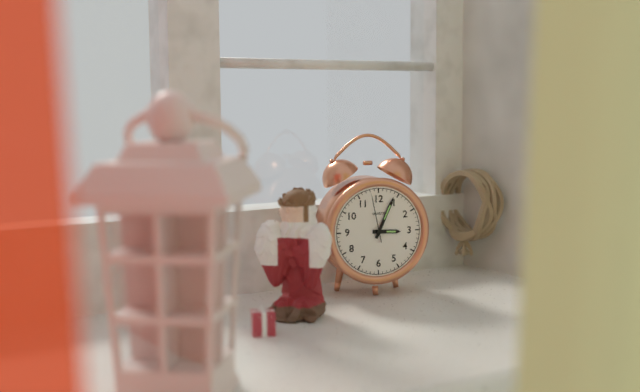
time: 3:04
